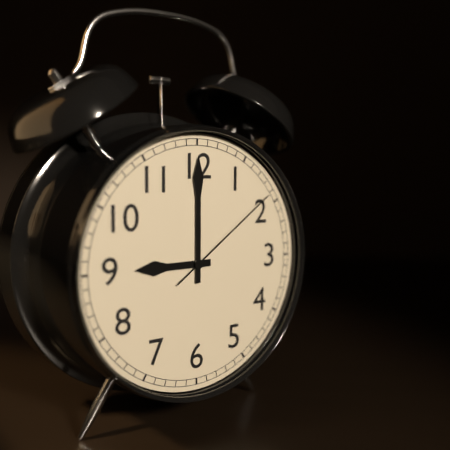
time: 9:00:09
